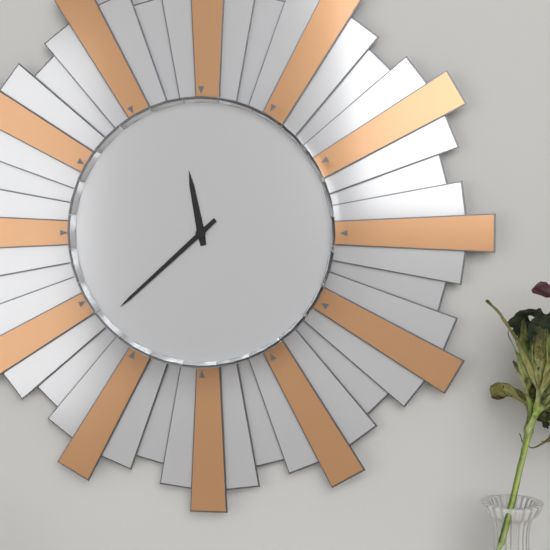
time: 11:38
